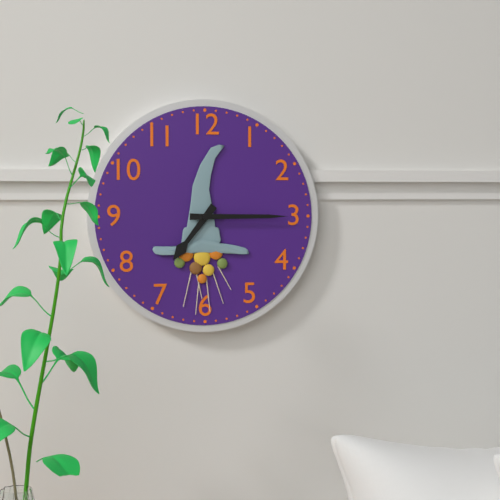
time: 7:15
